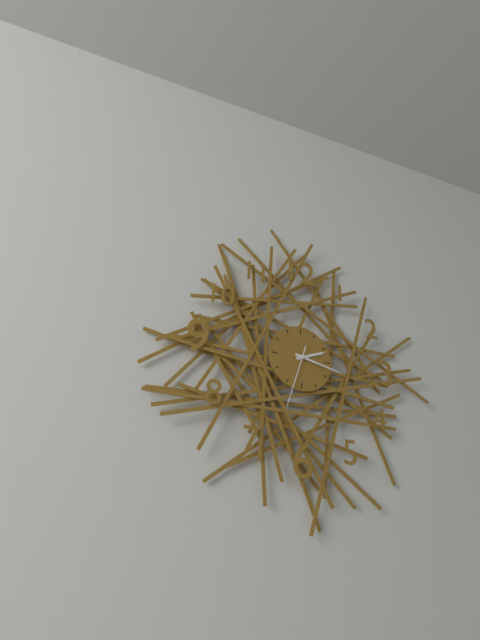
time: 2:17:33
